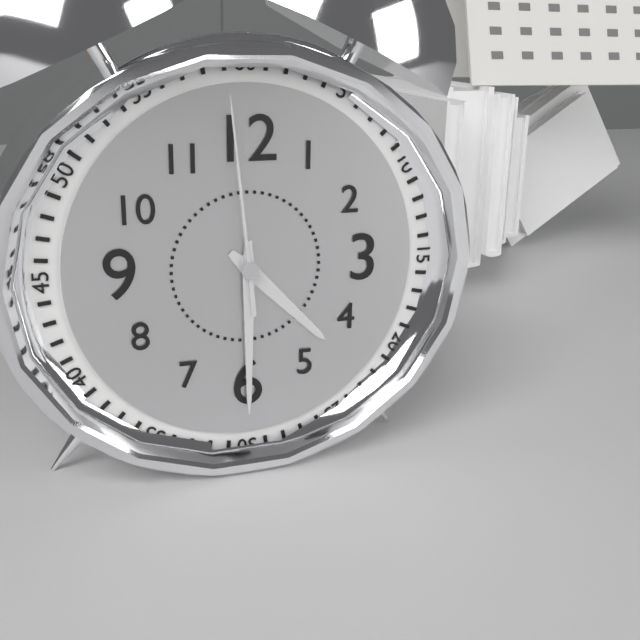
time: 4:30:59
